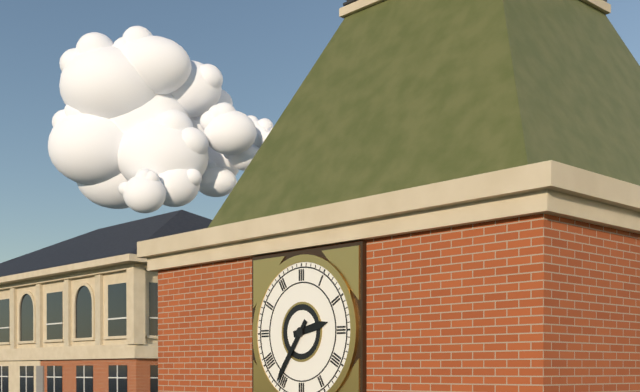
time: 2:36
